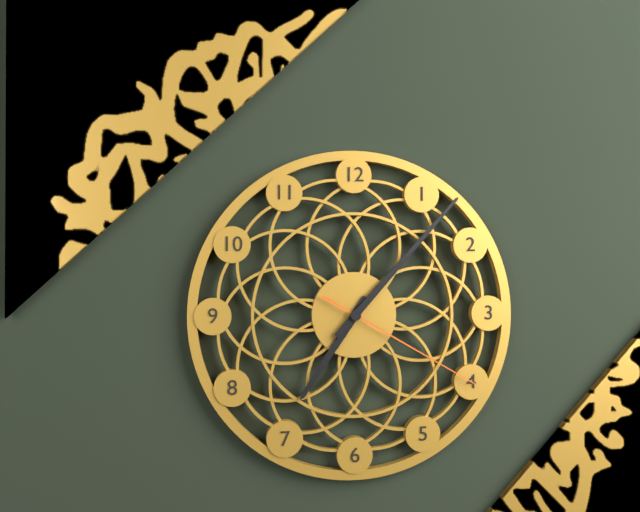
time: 7:07:20
